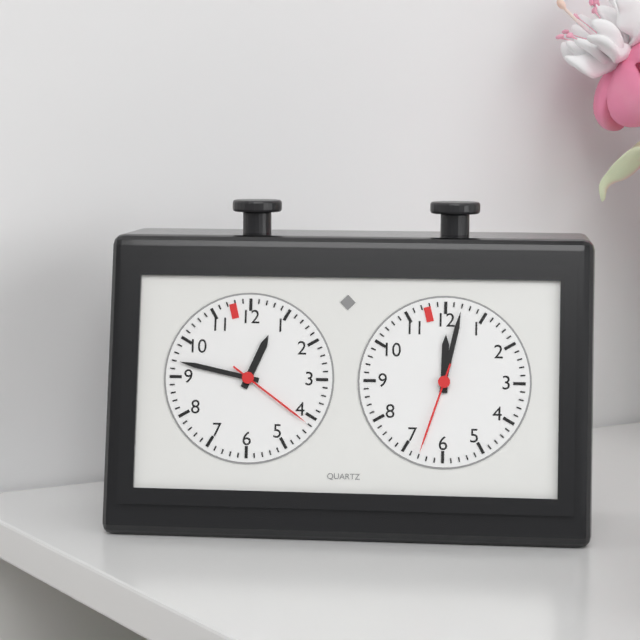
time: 12:47:21
